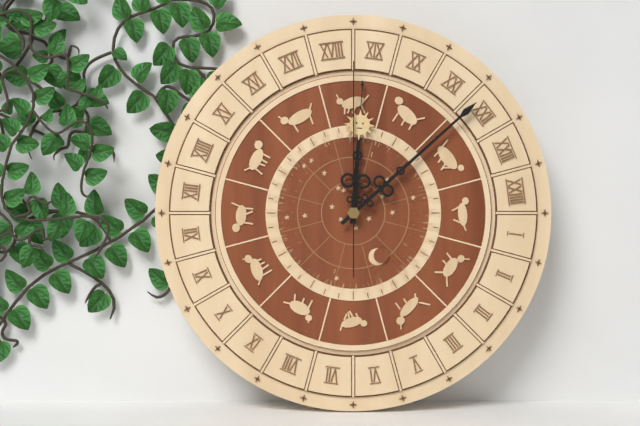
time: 12:08:00
